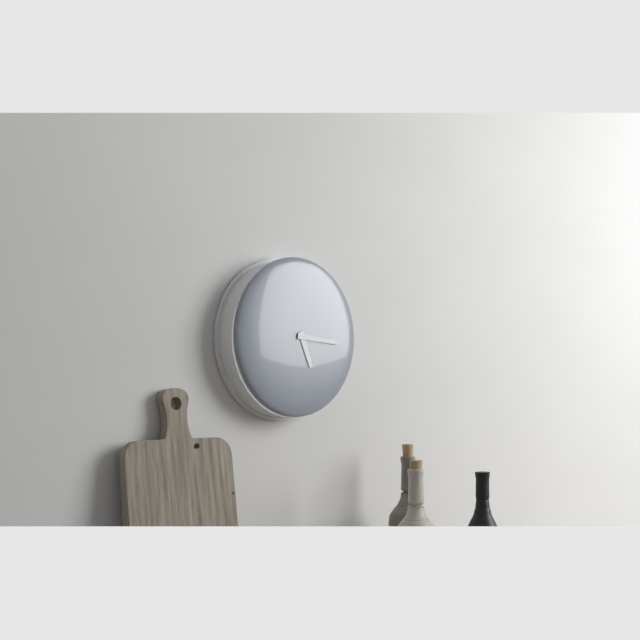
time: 5:16
